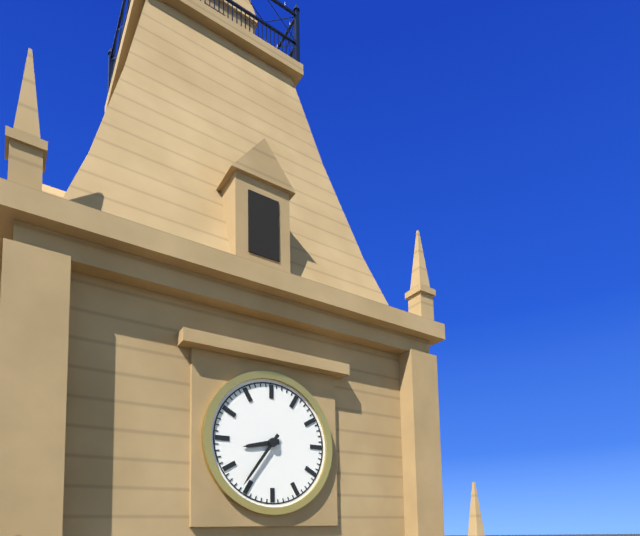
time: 8:36
